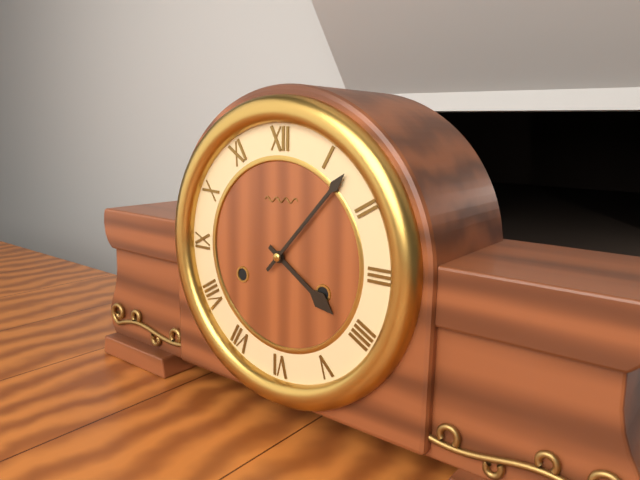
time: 4:07
